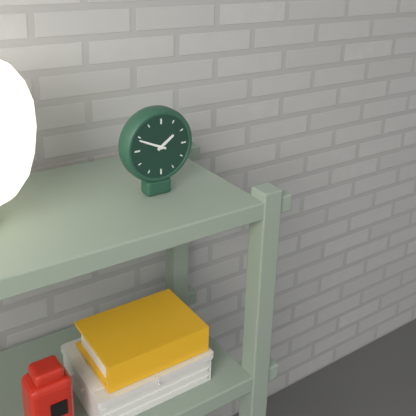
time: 1:49
